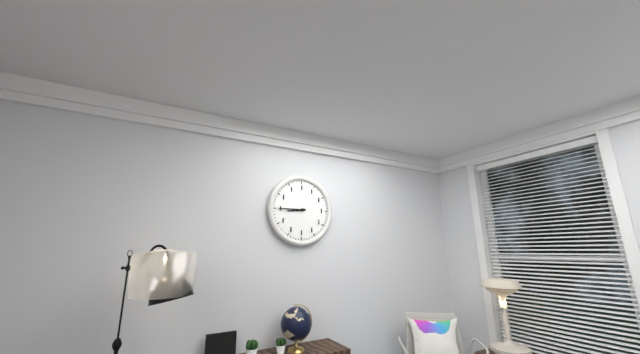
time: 8:45
